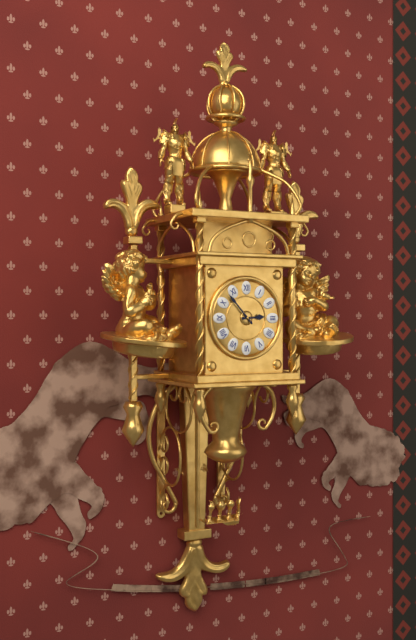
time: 2:53
